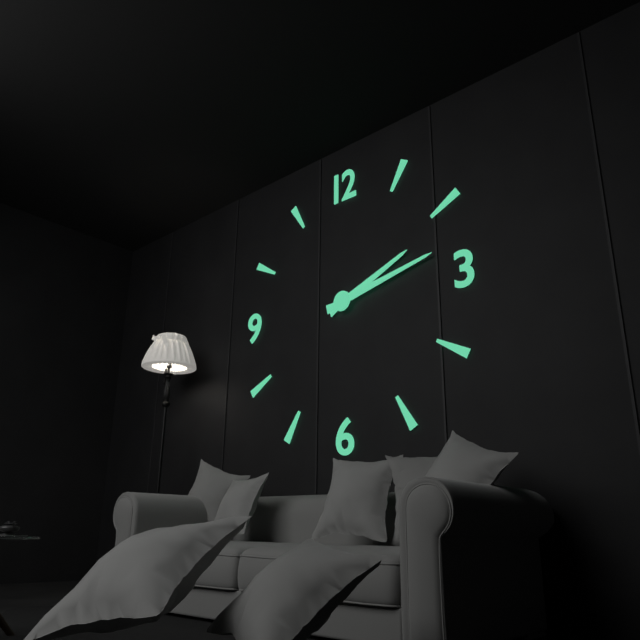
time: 2:13
